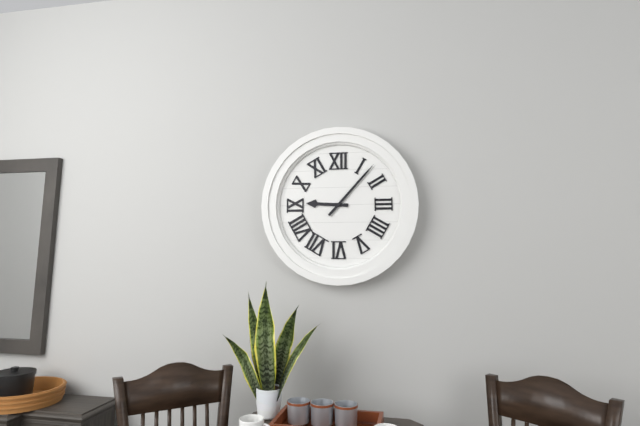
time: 9:07
